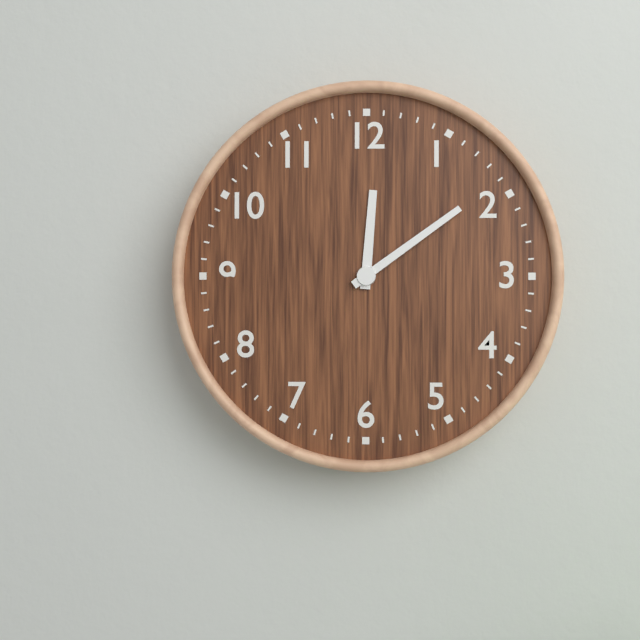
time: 12:09
